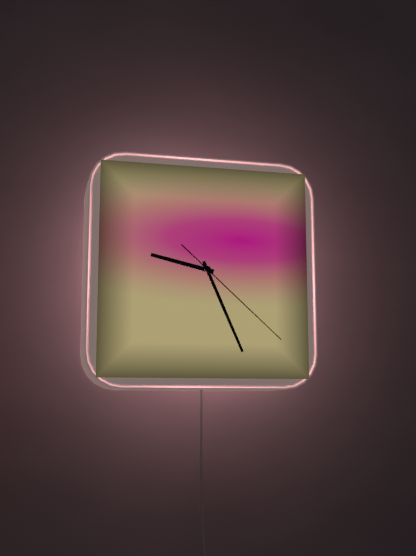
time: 9:26:22
